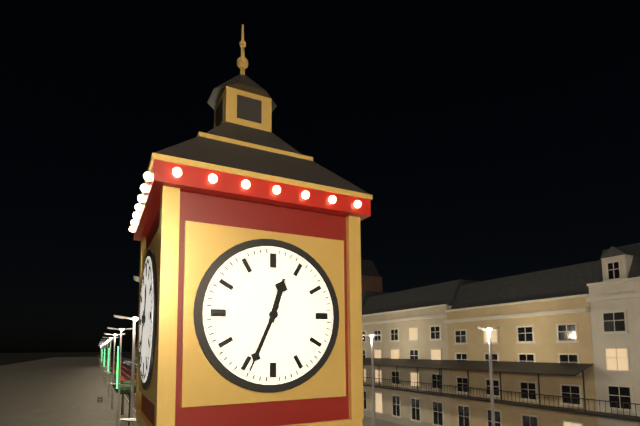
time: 12:34
